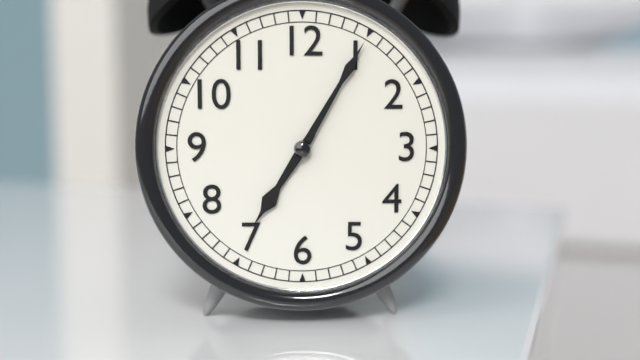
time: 7:05
